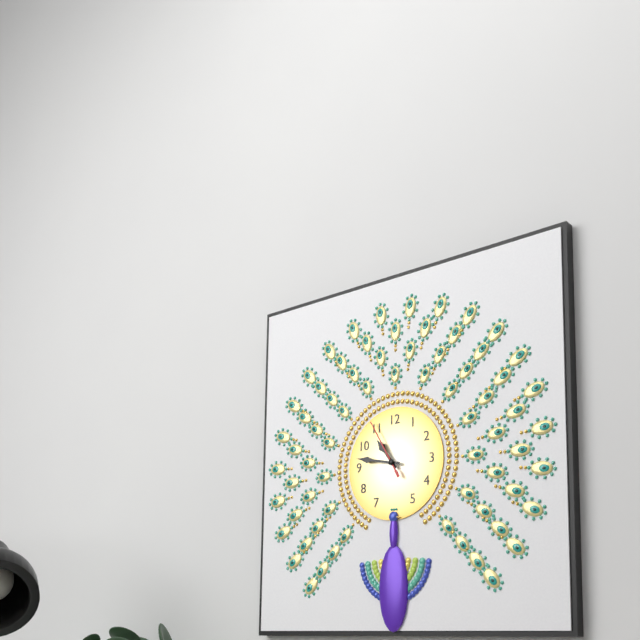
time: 10:47:55
